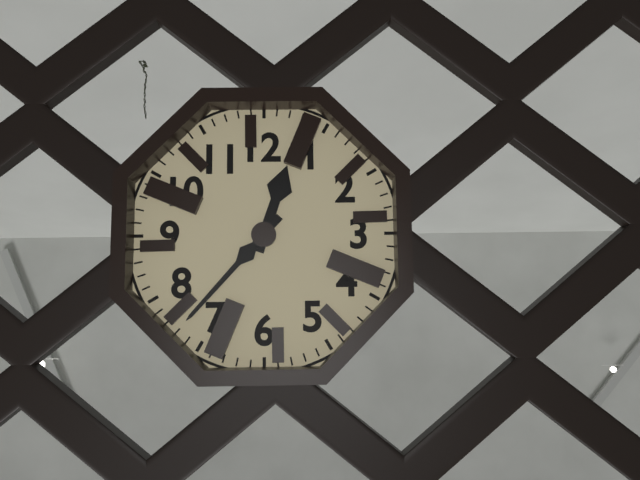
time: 12:37
